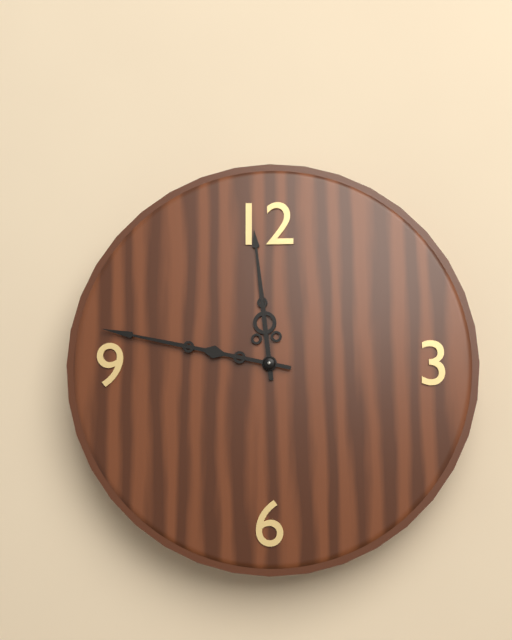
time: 11:47
